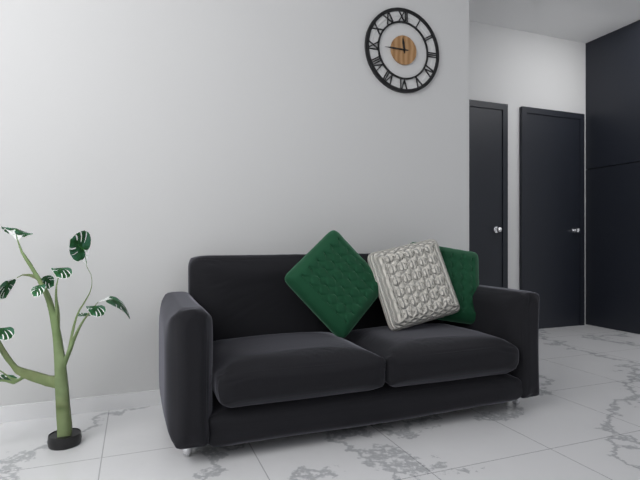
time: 11:45
